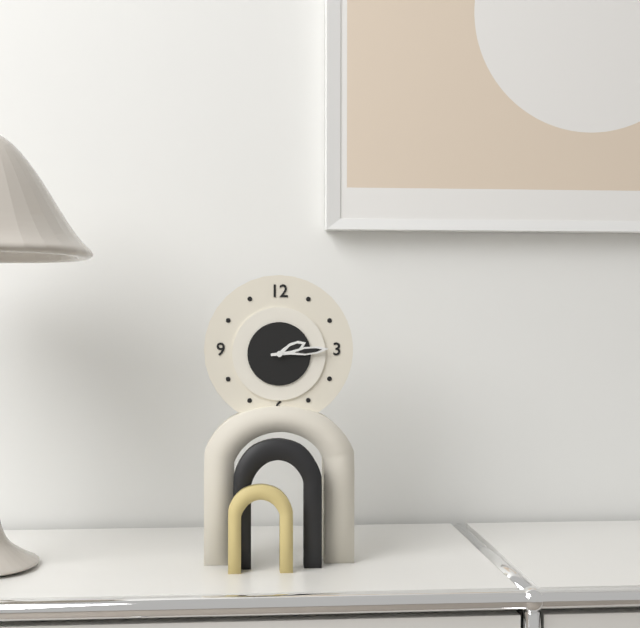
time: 2:14
